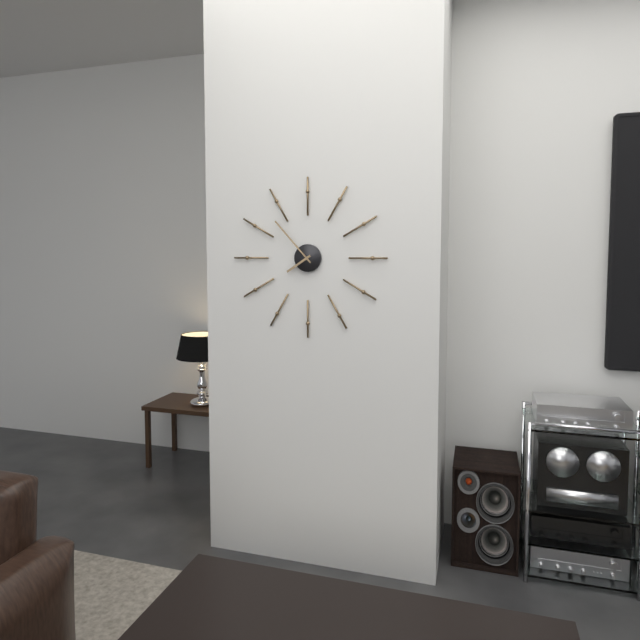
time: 7:53
